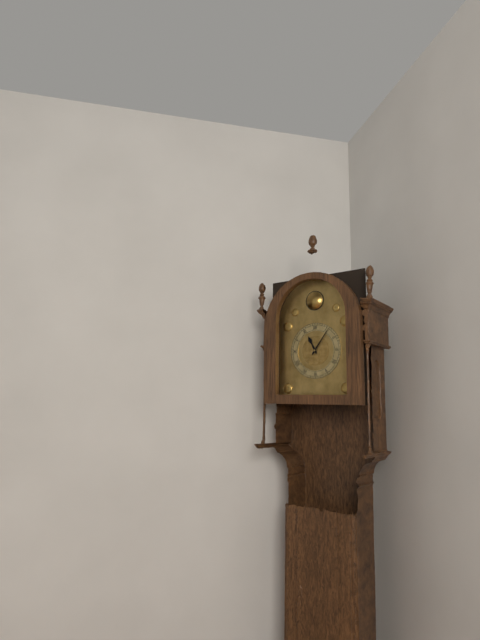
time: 11:06
